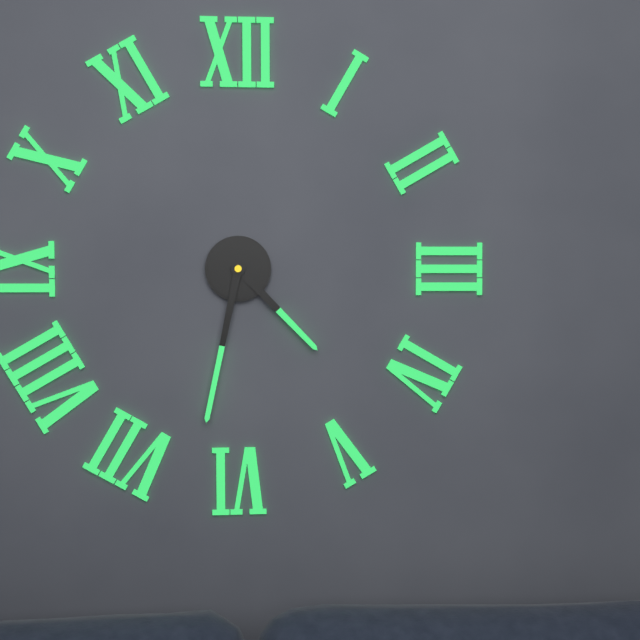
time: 4:32
